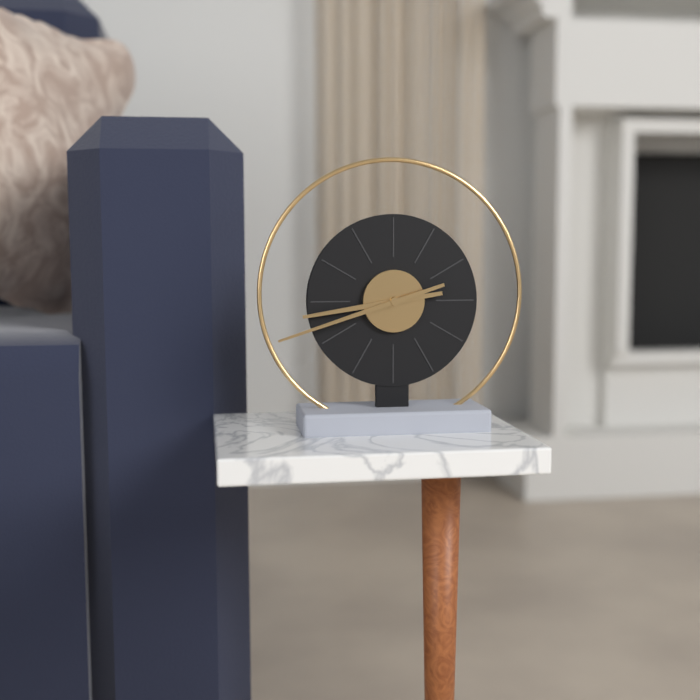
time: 8:42
